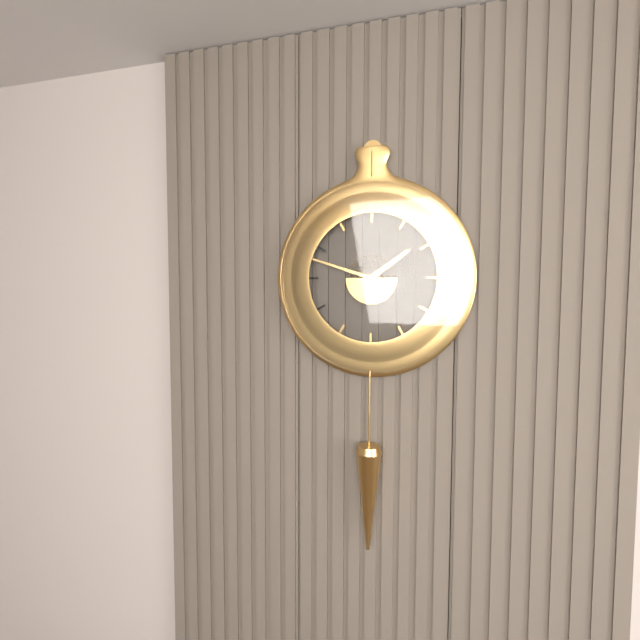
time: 1:48
